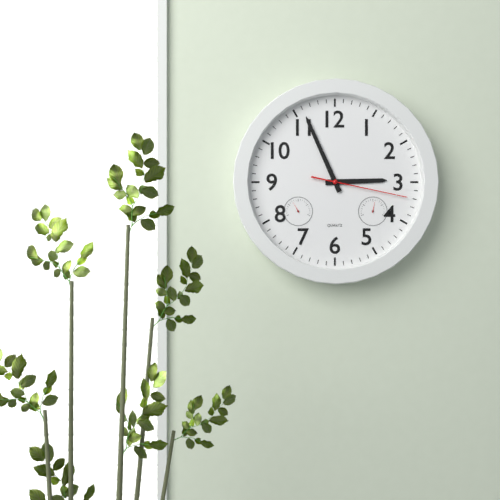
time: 2:56:17
